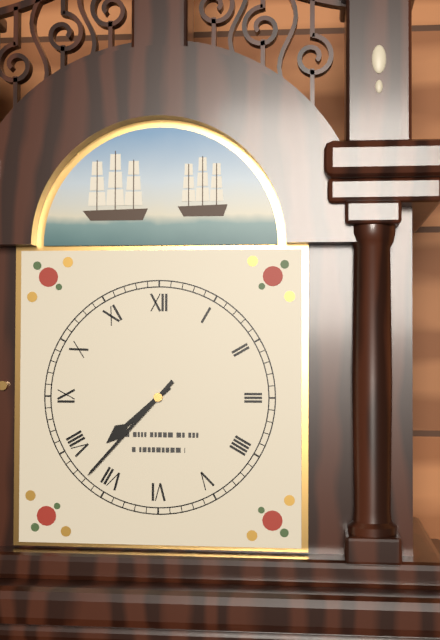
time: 7:37
